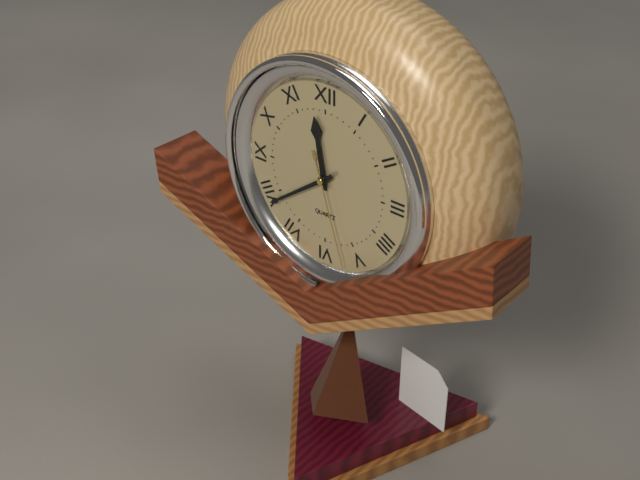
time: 11:39:27
